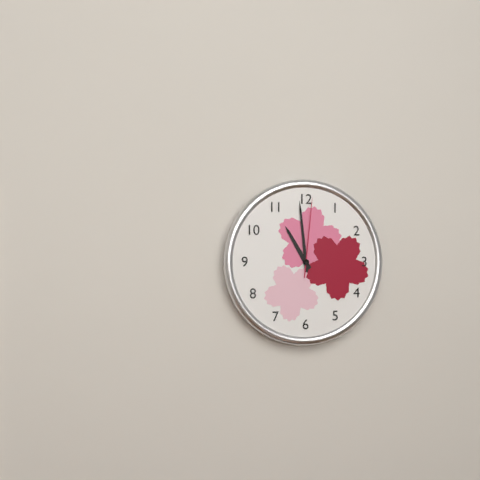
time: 10:59:01
